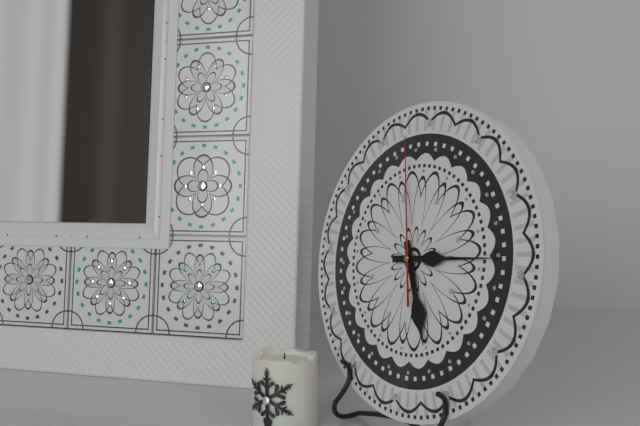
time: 5:14:58
